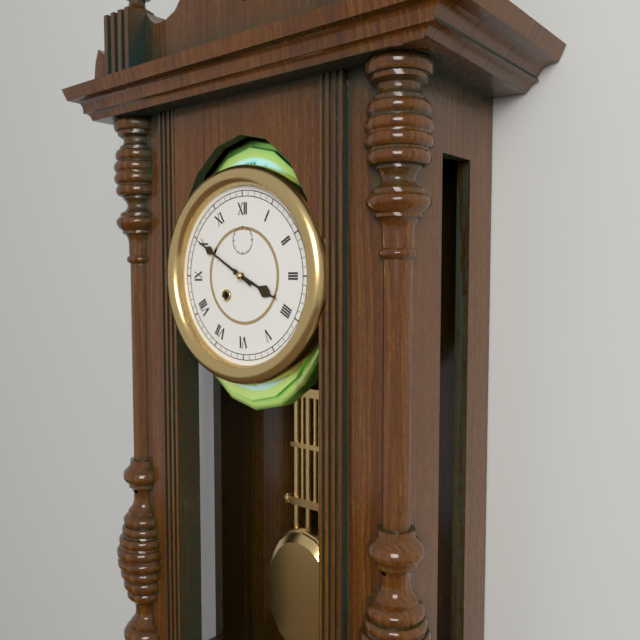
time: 3:50
